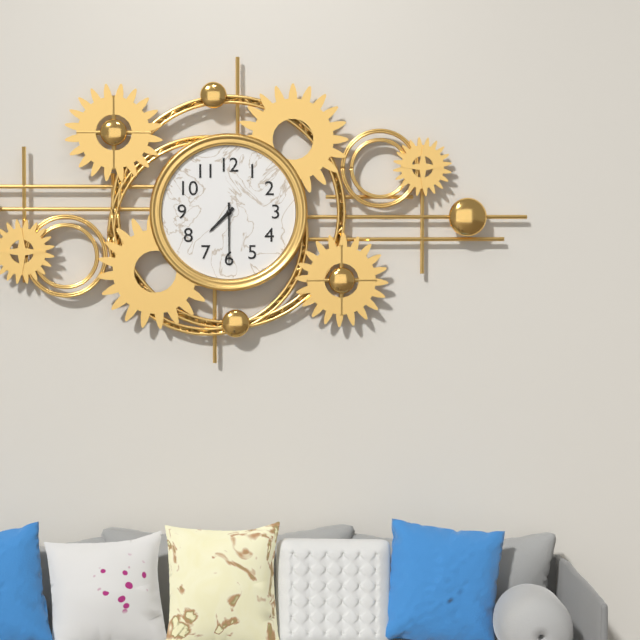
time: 7:30
